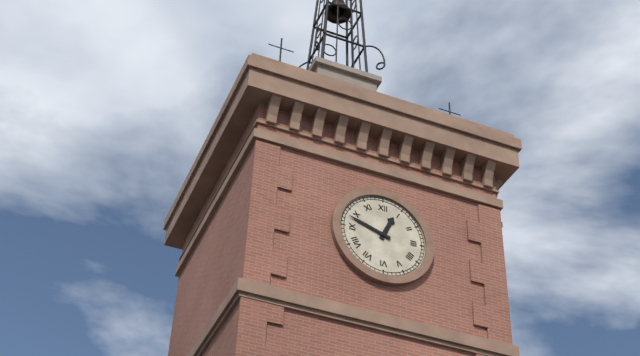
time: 12:48
